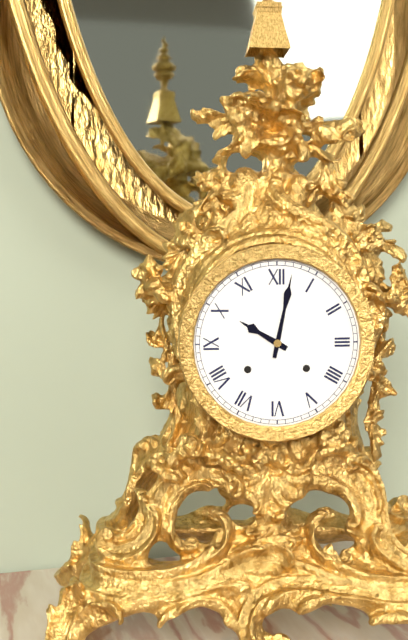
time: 10:02
